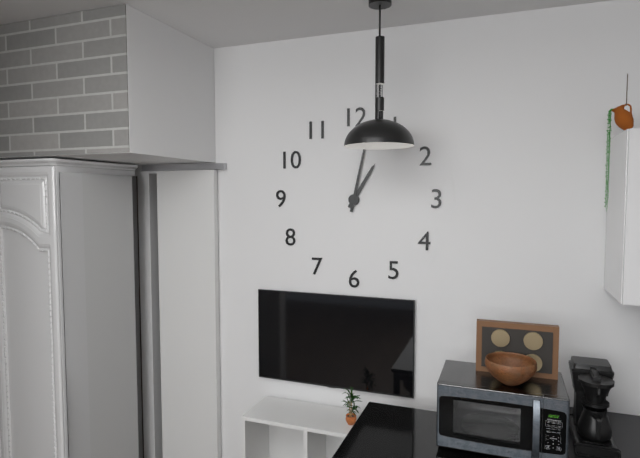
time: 1:02
